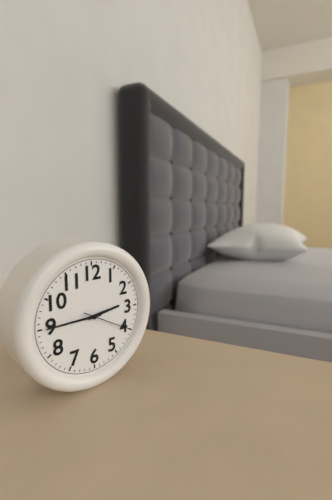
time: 2:45
